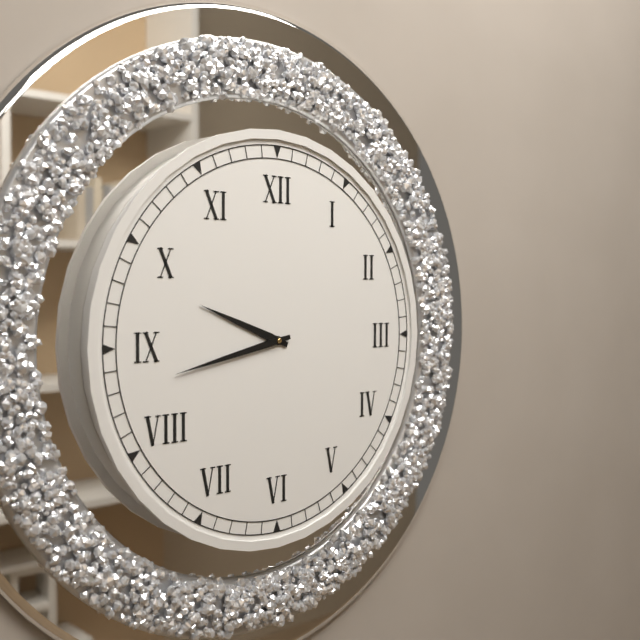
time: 9:43
